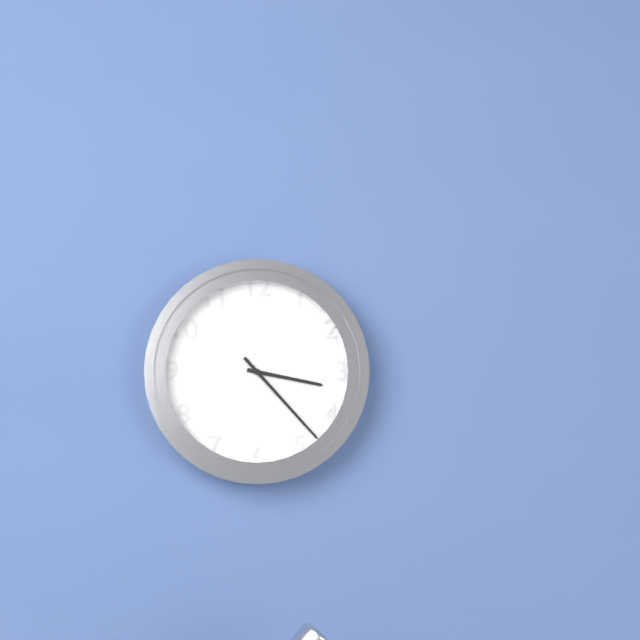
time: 3:23
